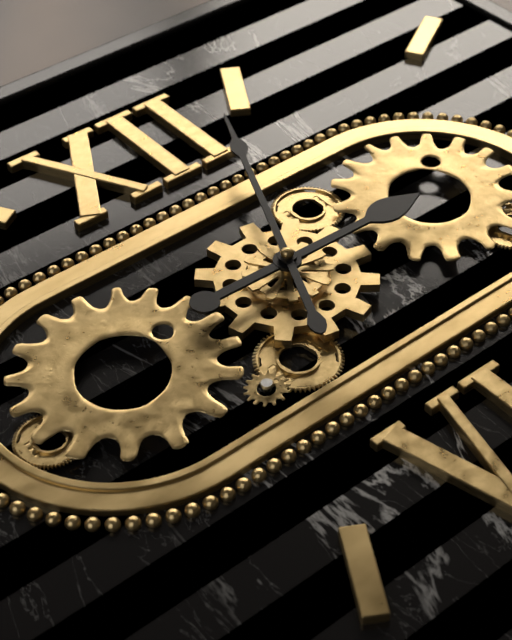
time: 3:04
